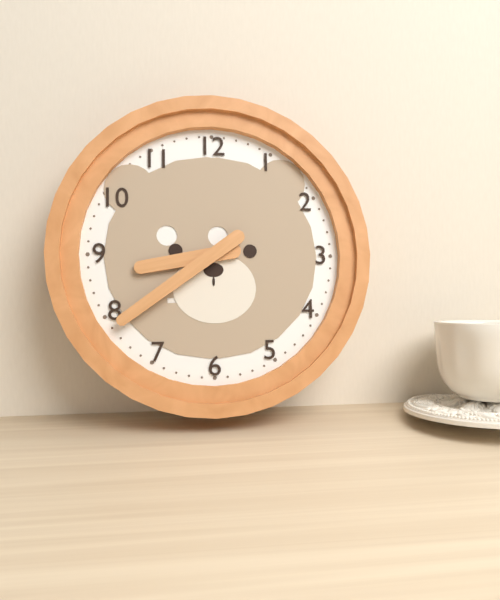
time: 8:39
